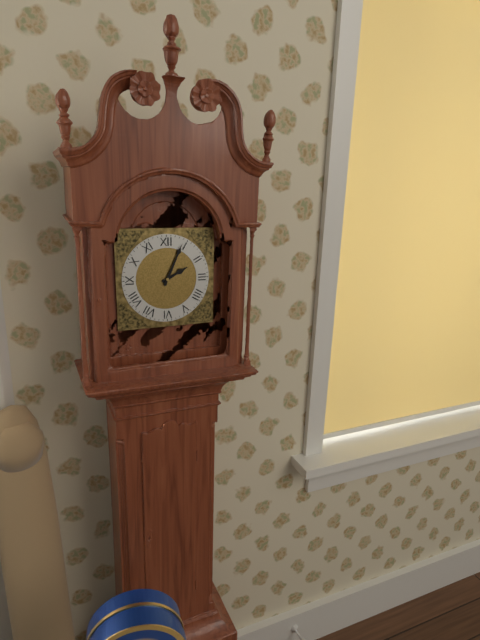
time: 2:04
